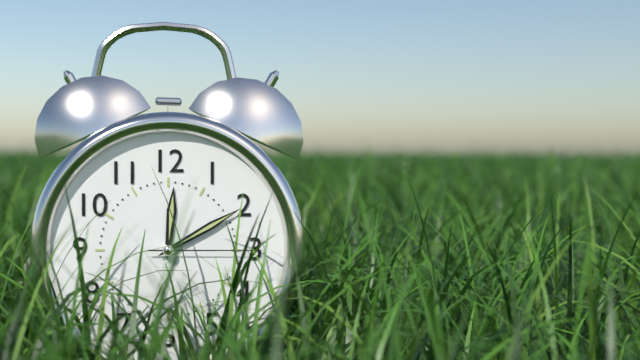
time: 12:10:15
